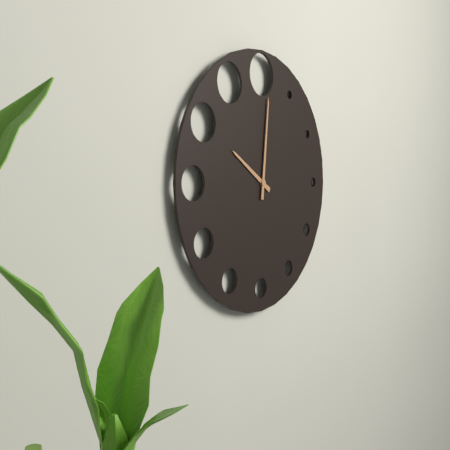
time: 10:01
